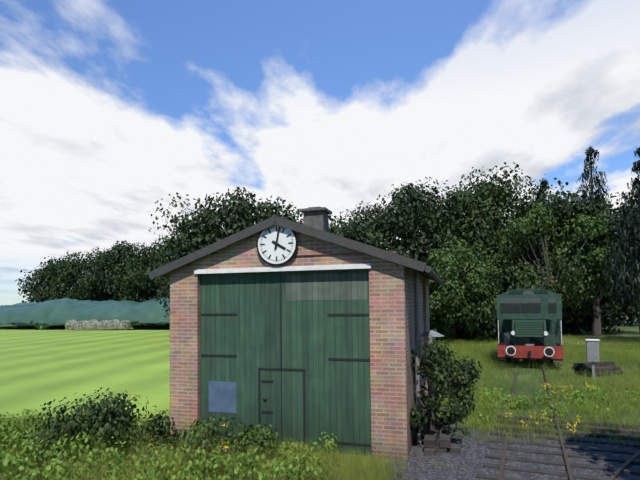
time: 4:02
